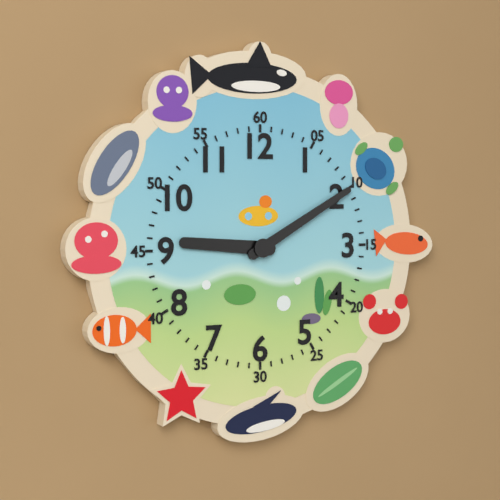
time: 9:10
